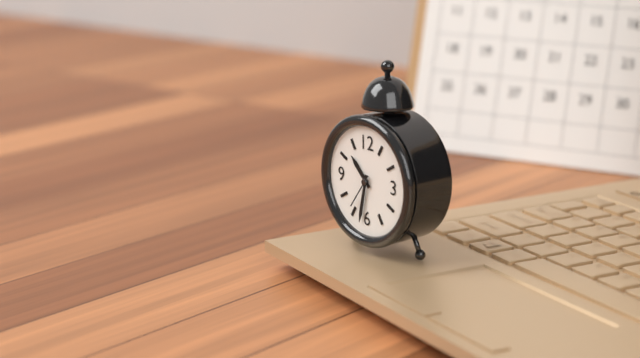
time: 10:32:36
